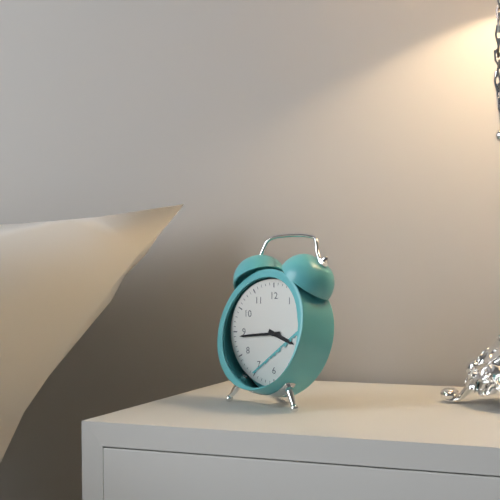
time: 3:44
